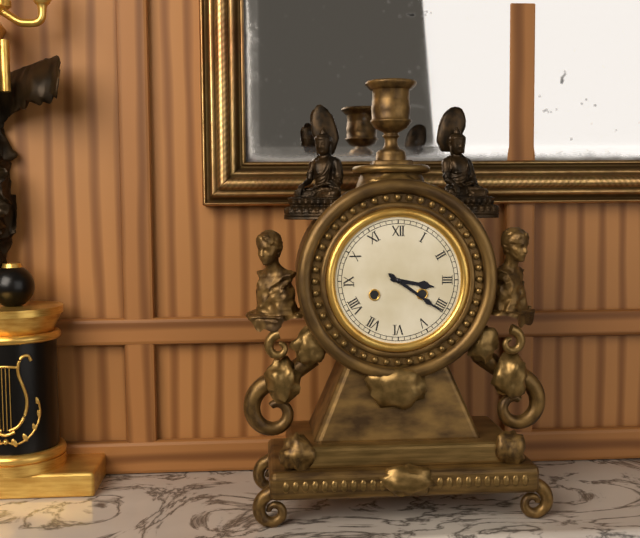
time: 3:21
